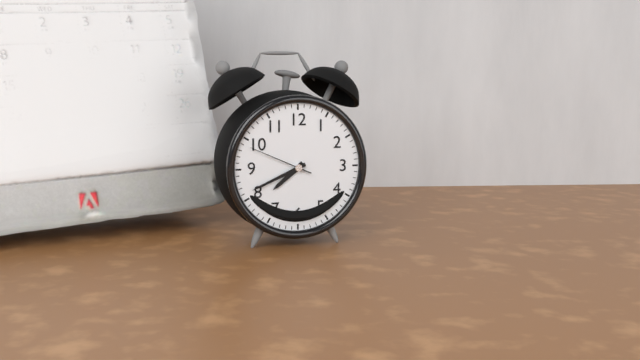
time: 7:41:49
